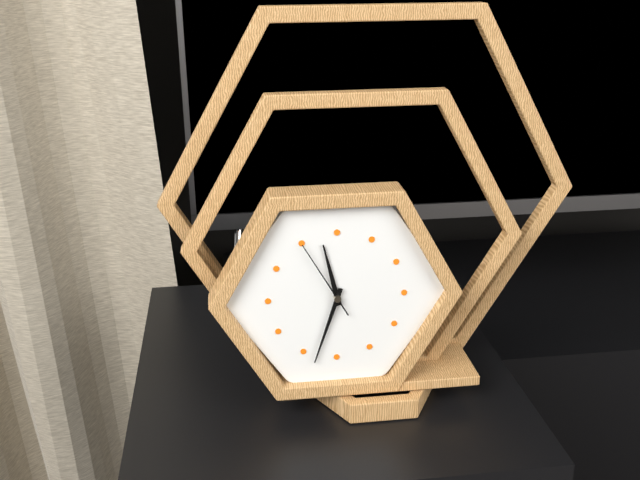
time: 11:33:55
